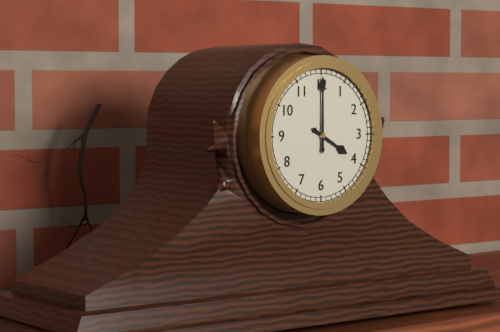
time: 4:00
